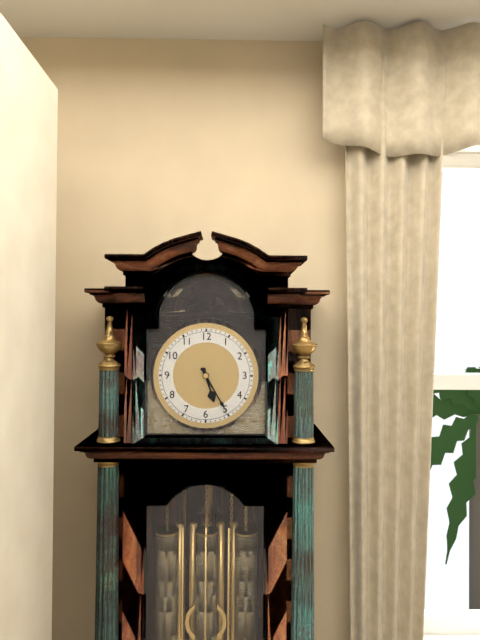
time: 5:25
